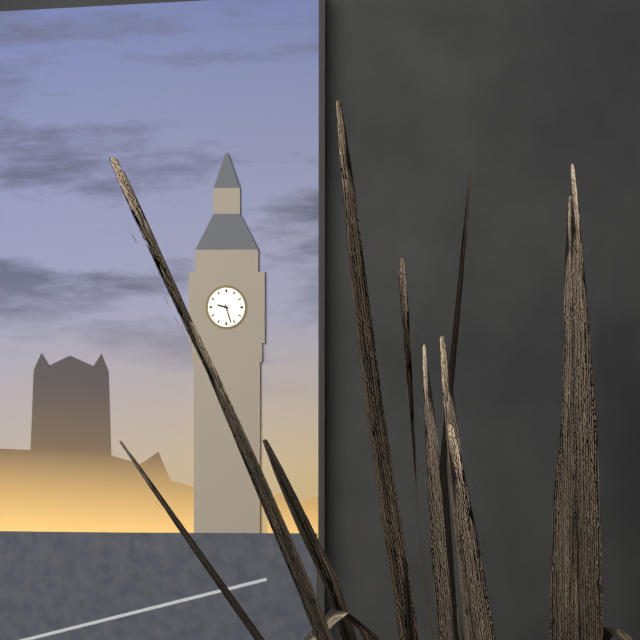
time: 9:27
